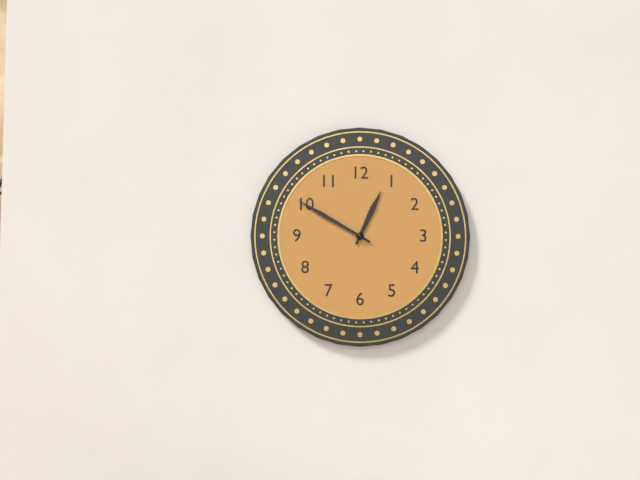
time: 12:50
